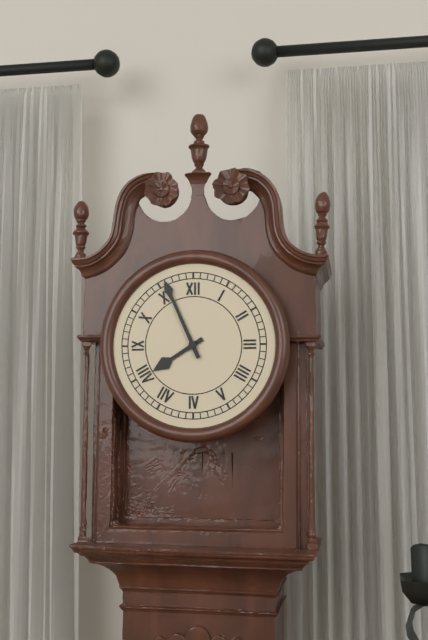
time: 7:56
